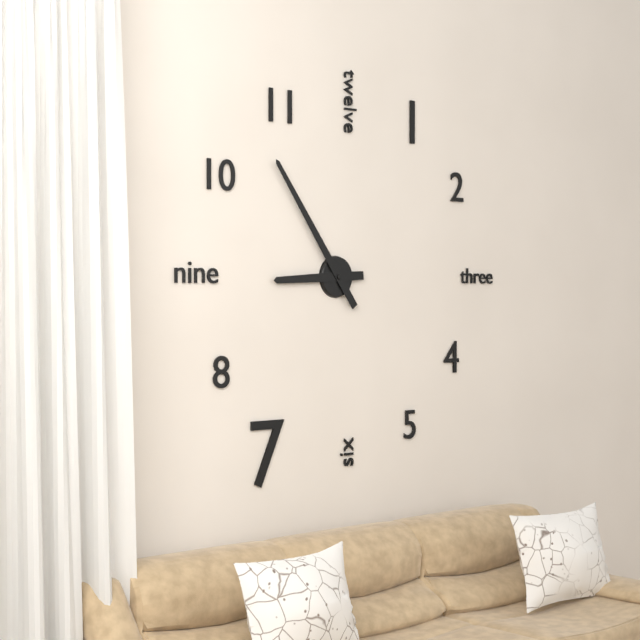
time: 8:54
